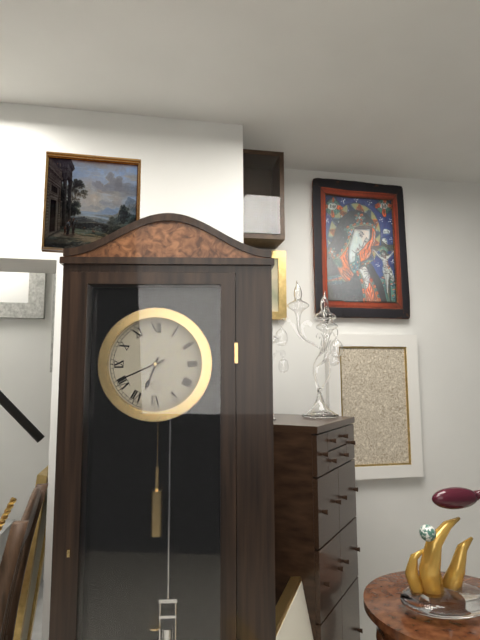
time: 6:41
